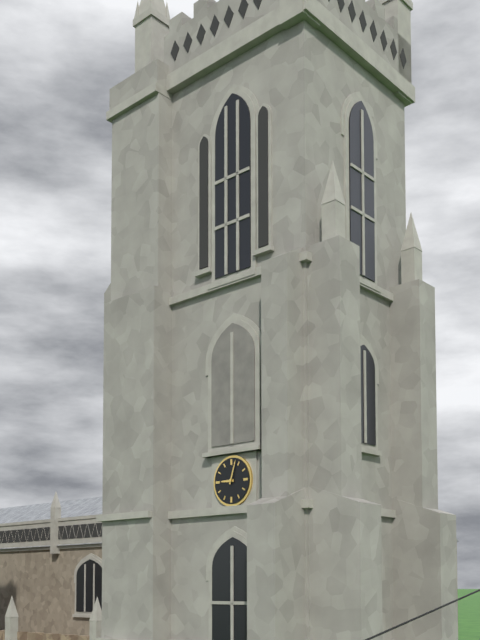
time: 9:03
